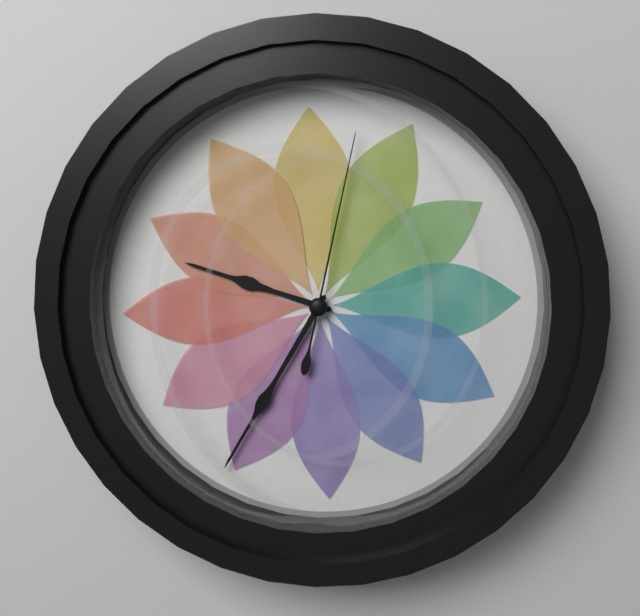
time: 9:35:02
